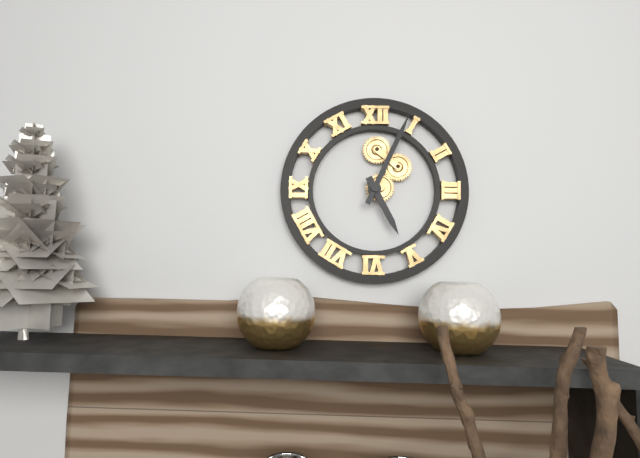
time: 5:04
